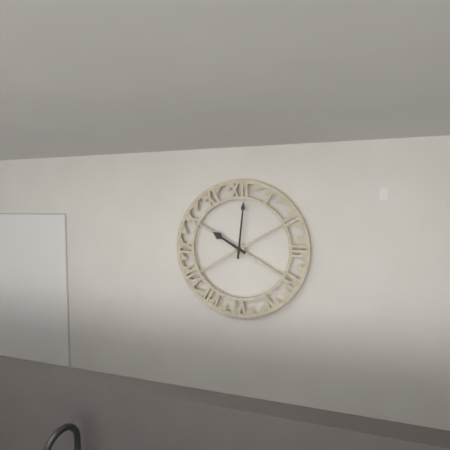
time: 10:01
